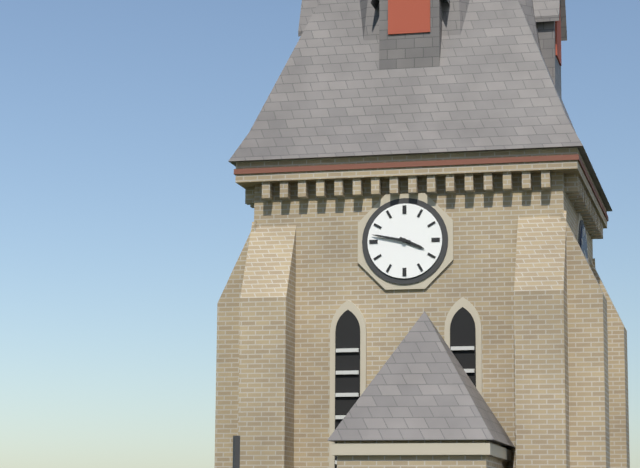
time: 3:47
